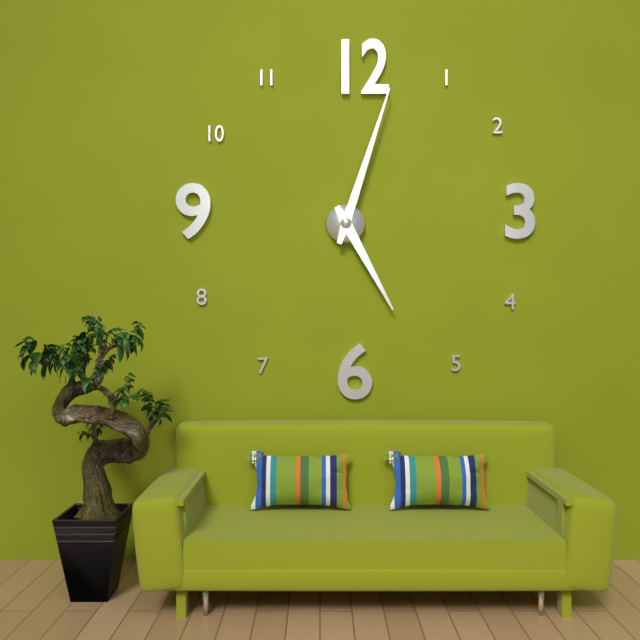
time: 5:03
